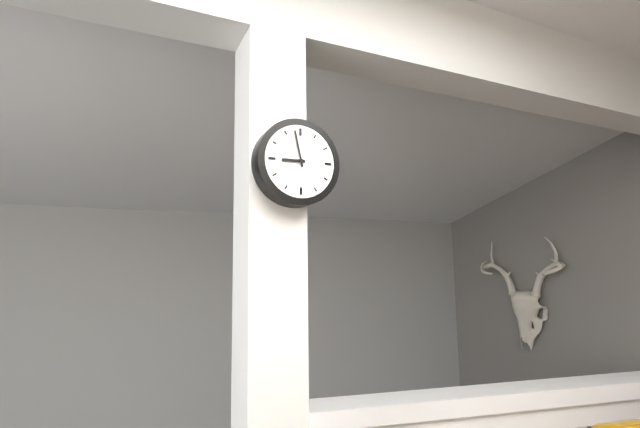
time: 8:58
